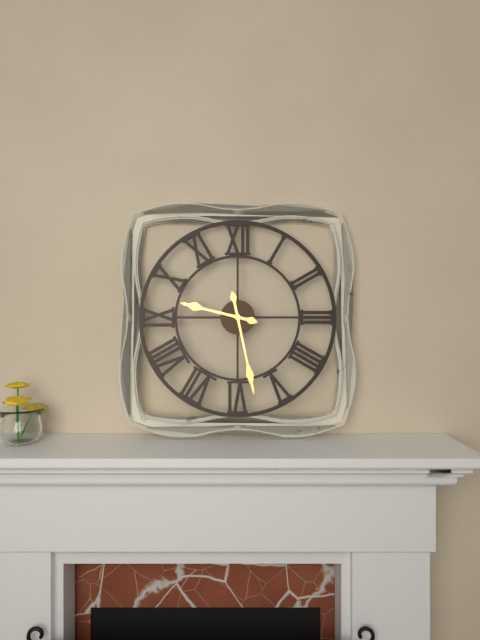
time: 9:28
